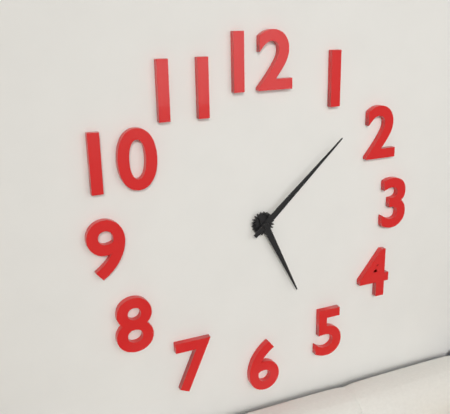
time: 5:08
